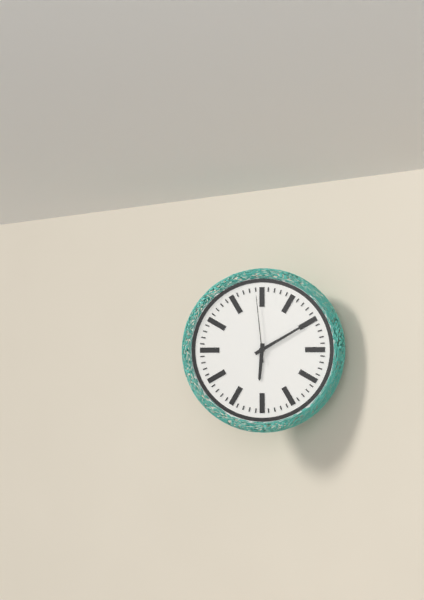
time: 6:10:59
